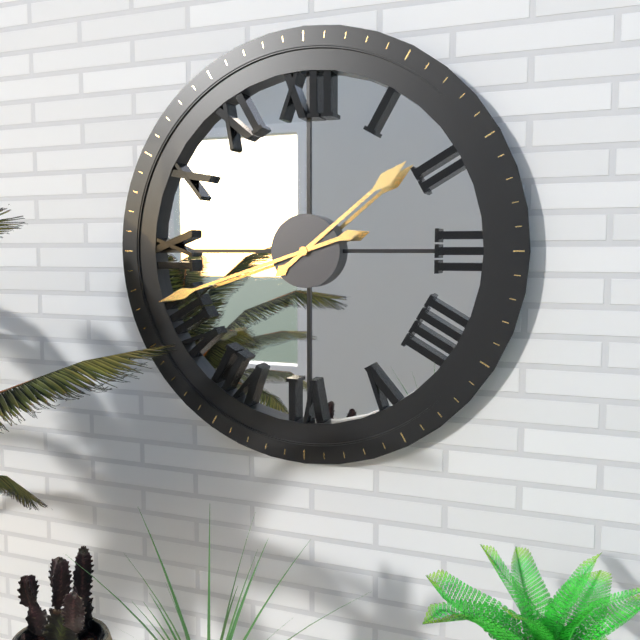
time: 1:42
